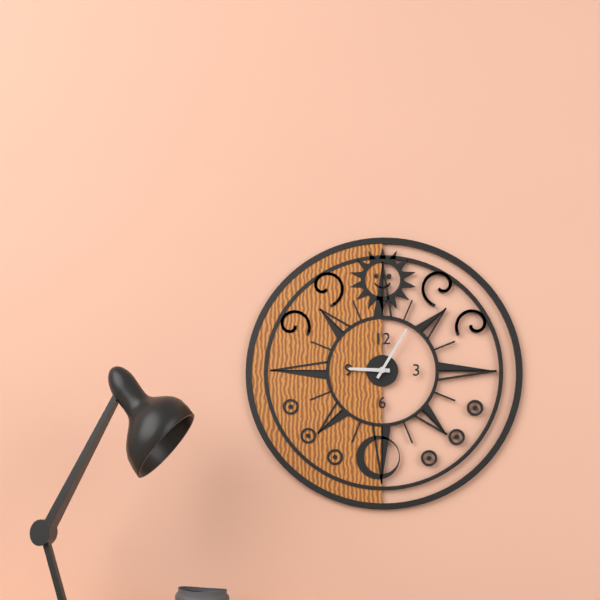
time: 9:05
